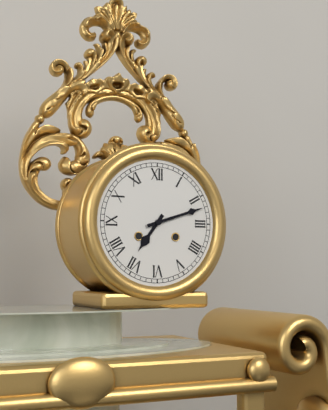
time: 7:12
